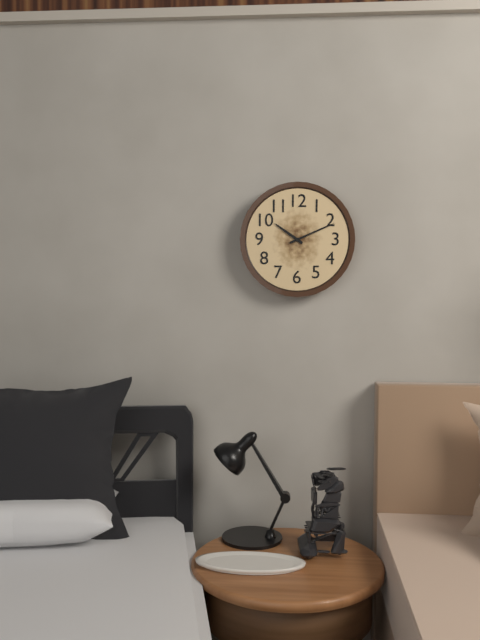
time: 10:11
